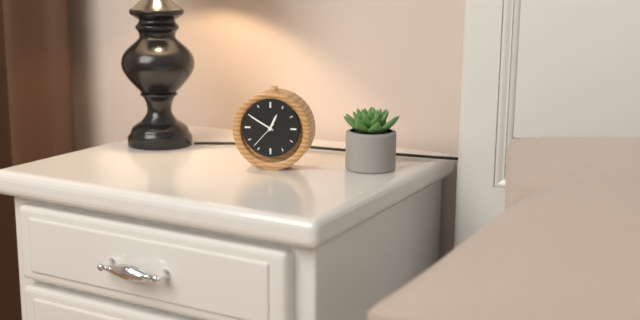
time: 12:50
